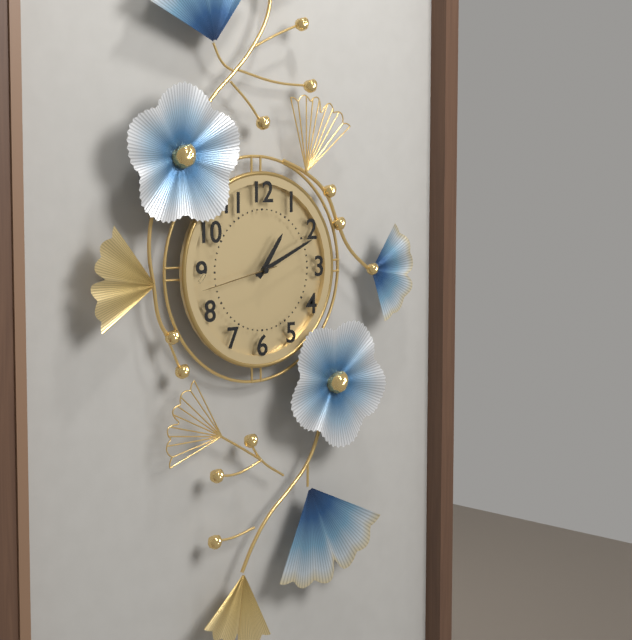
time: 1:11:43
